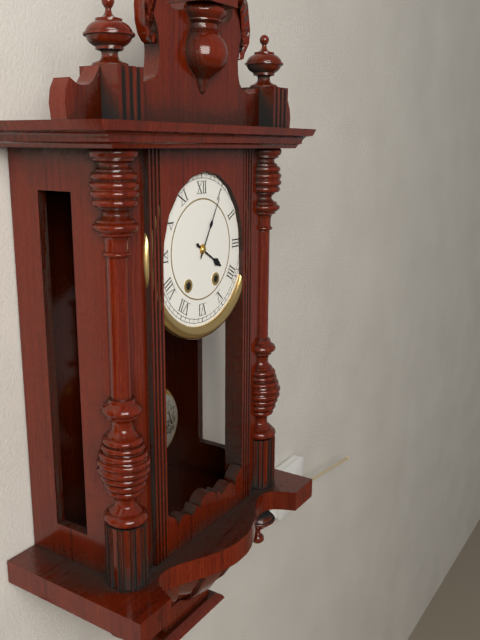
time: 4:05
